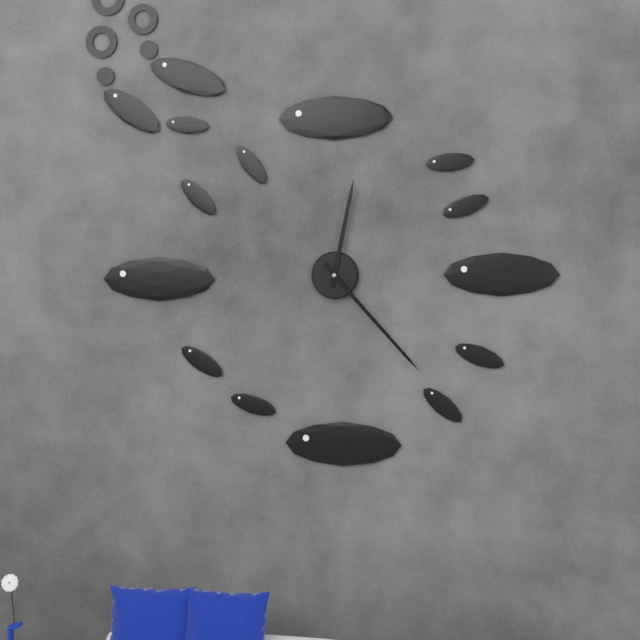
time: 12:23
